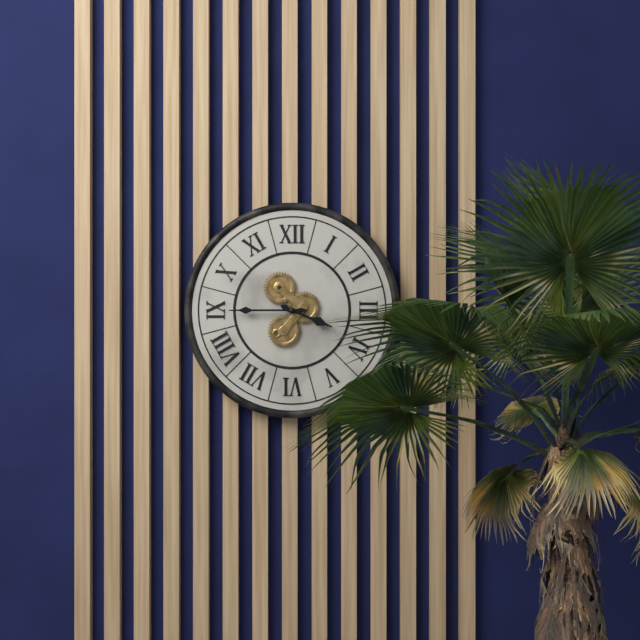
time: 3:45
